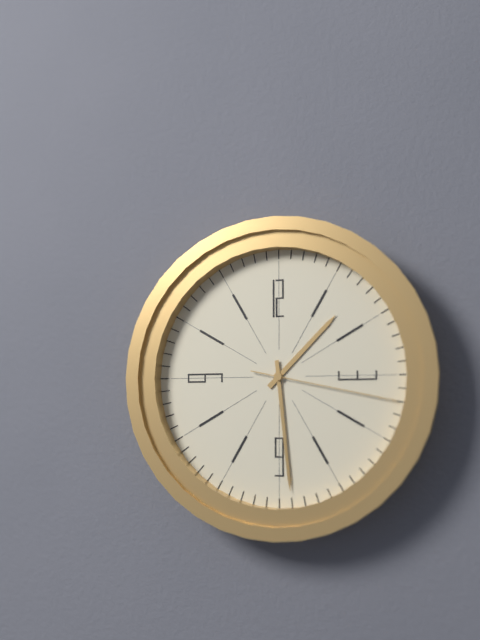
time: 1:29:17
